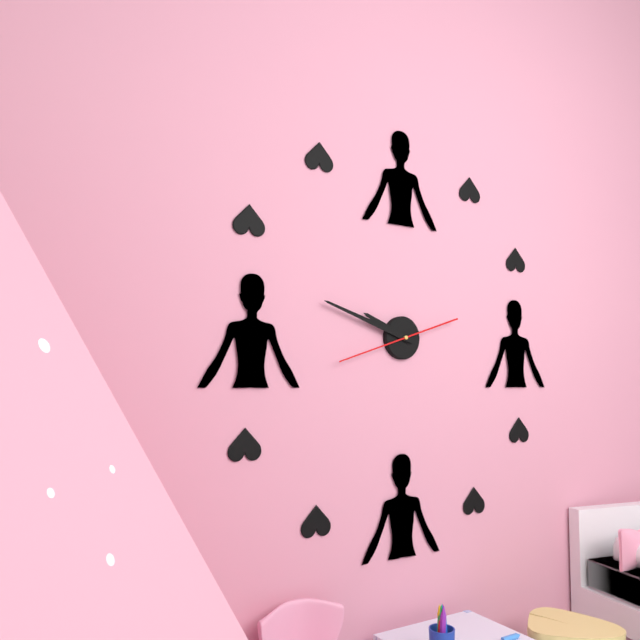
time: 9:48:42
